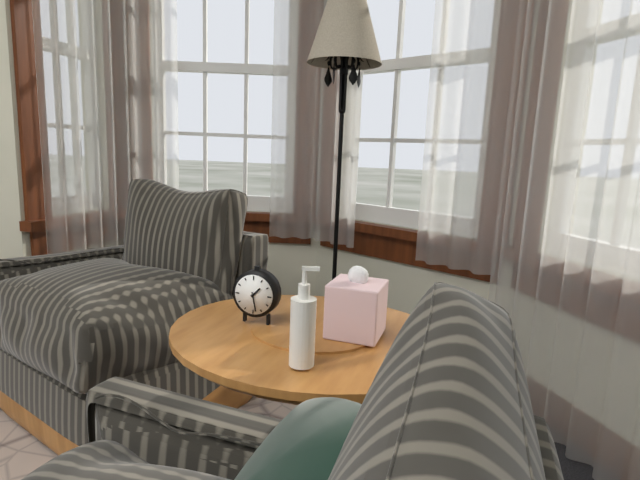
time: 1:28
